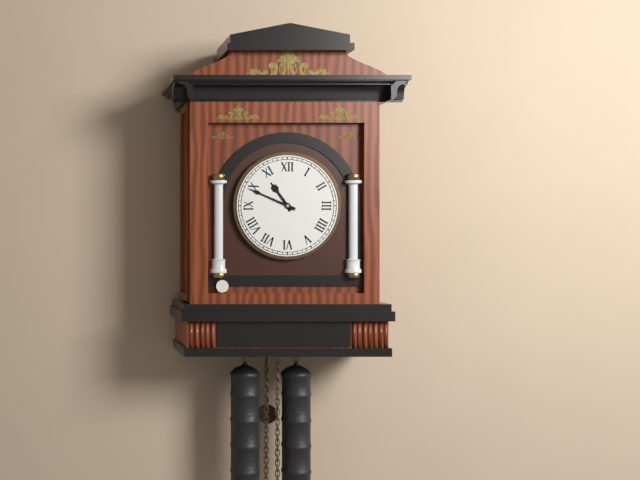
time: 10:49
